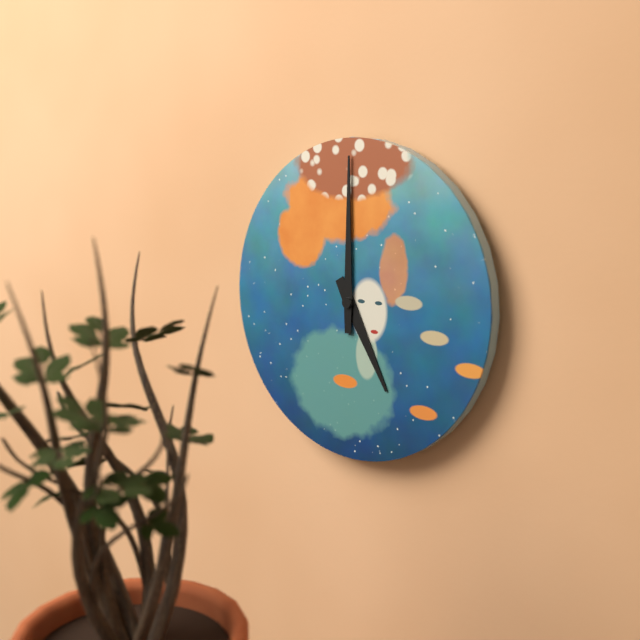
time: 5:00
